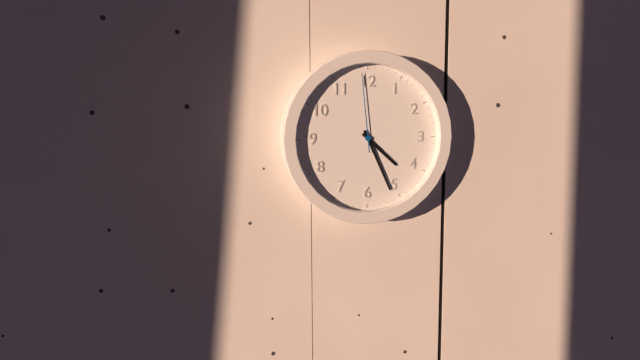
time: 4:26:59
